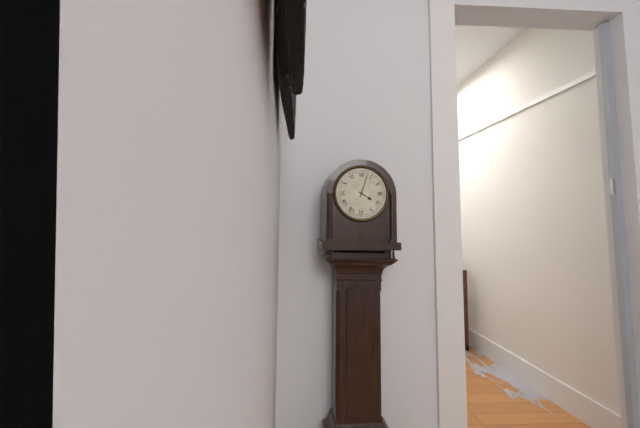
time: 4:03
